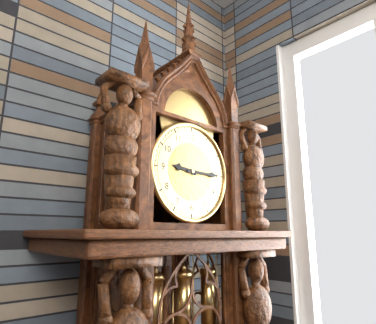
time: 9:15
